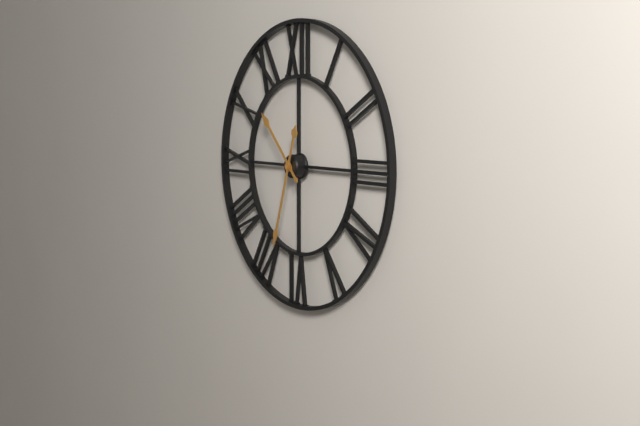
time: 10:33
